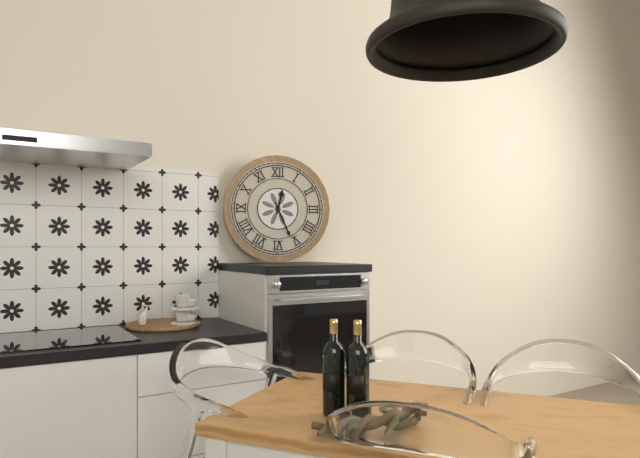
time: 12:26
